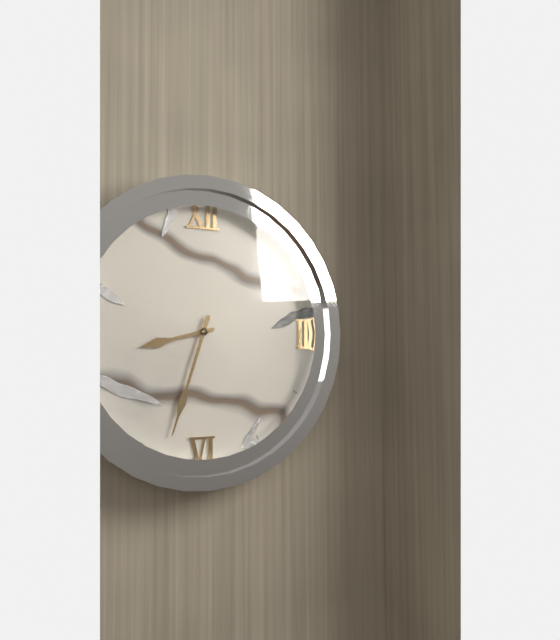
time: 8:33
